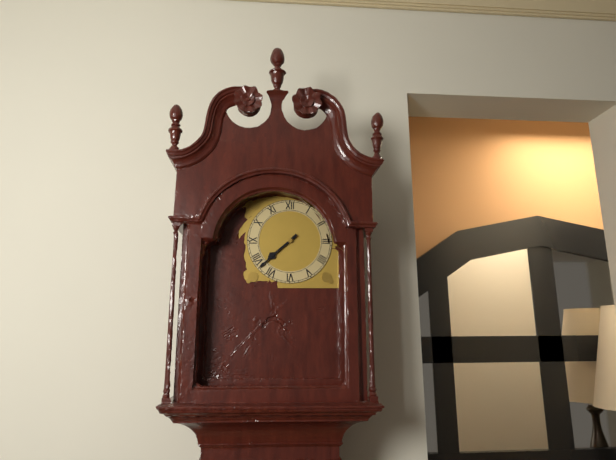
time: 7:38
